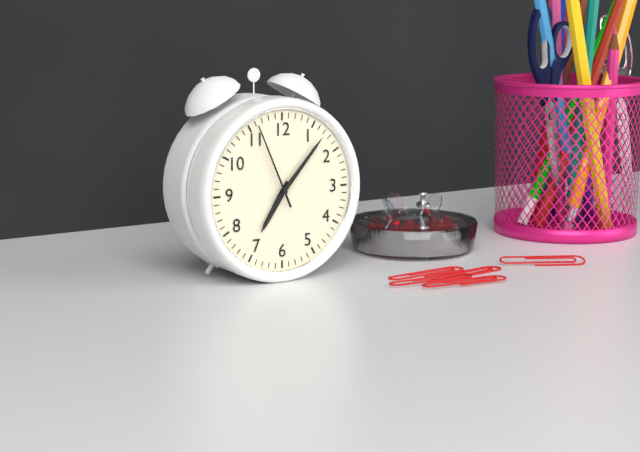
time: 7:07:56
